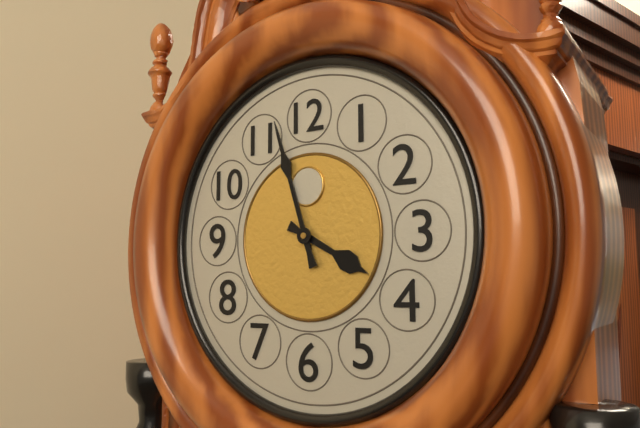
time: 3:57
